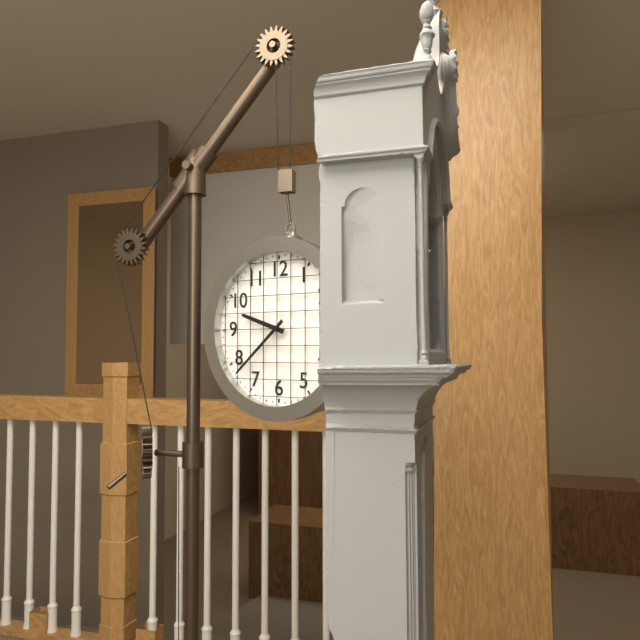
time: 9:38
